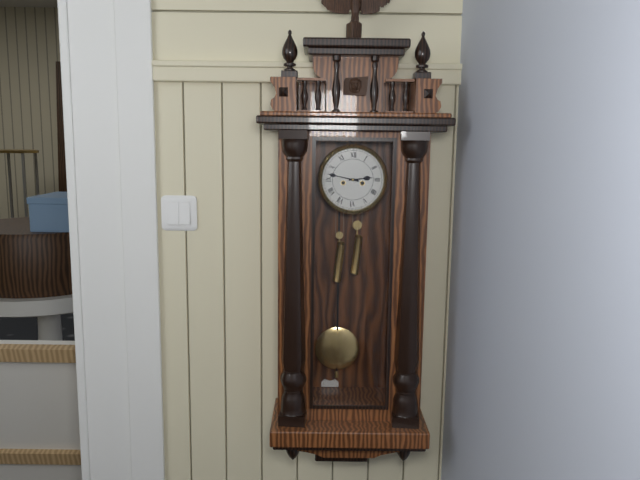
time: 2:47
